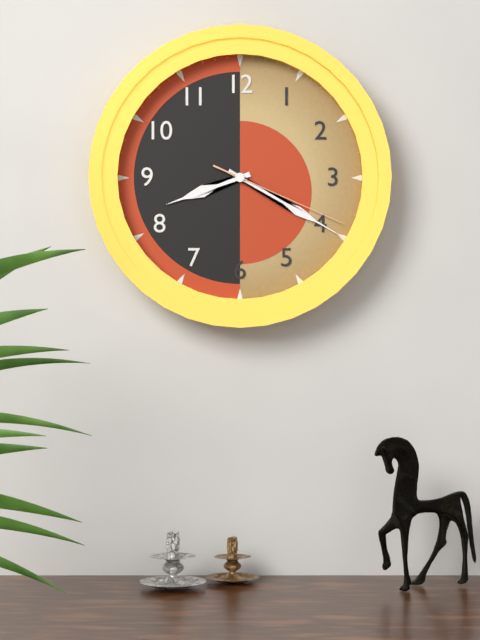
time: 8:20:19
